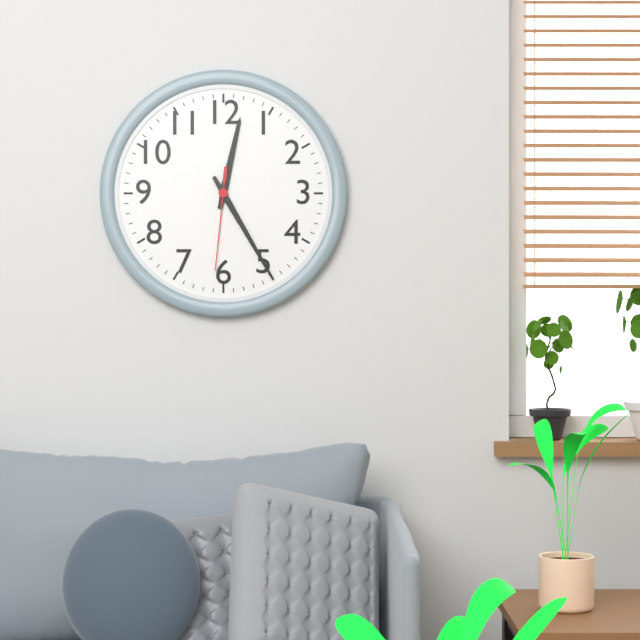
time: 12:25:31
